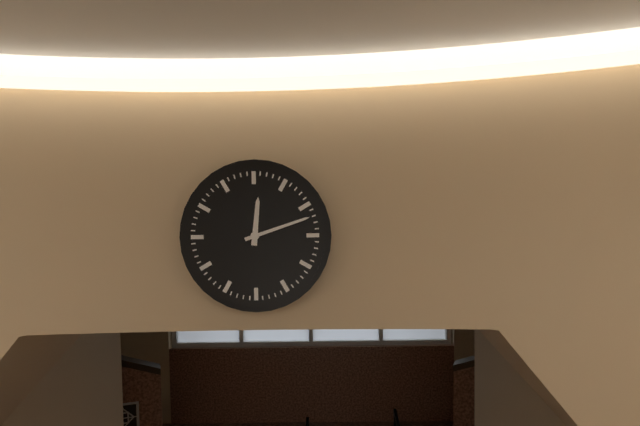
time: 12:12
